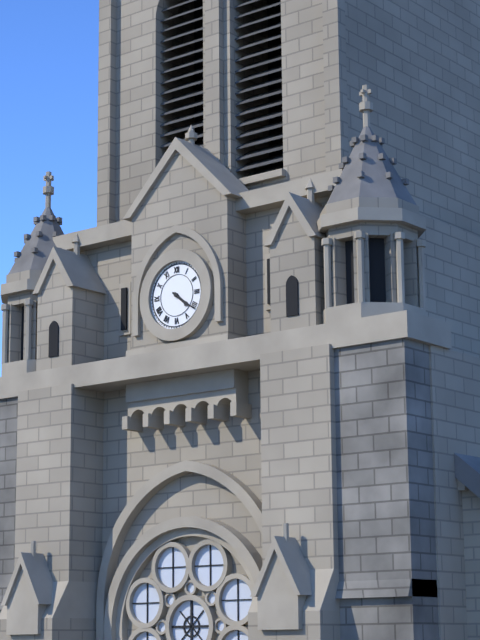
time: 4:21
